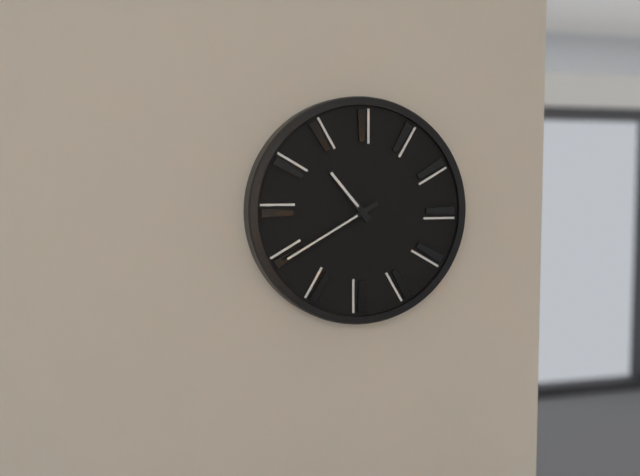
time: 10:40
